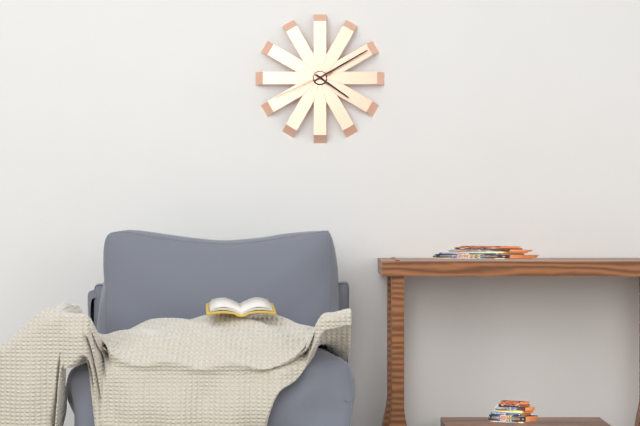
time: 4:10:41
